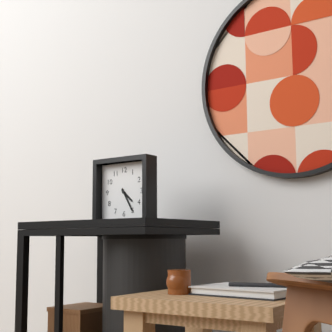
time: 4:25
